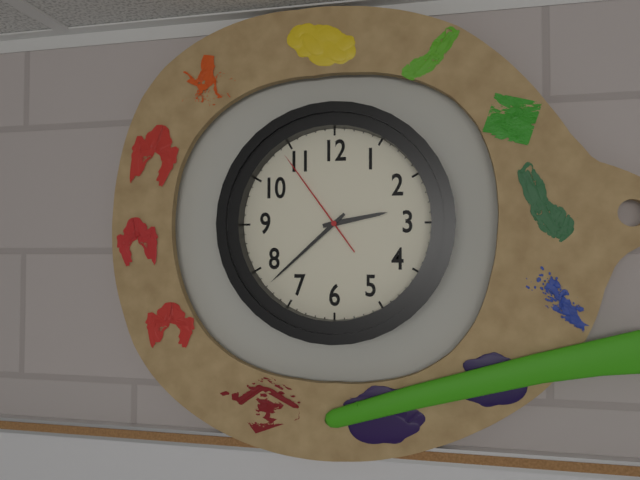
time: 2:38:54
